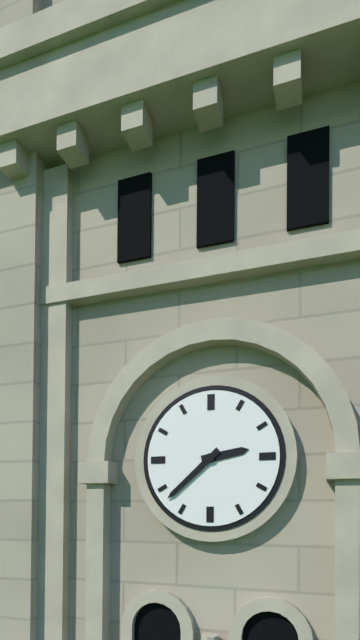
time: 2:38
